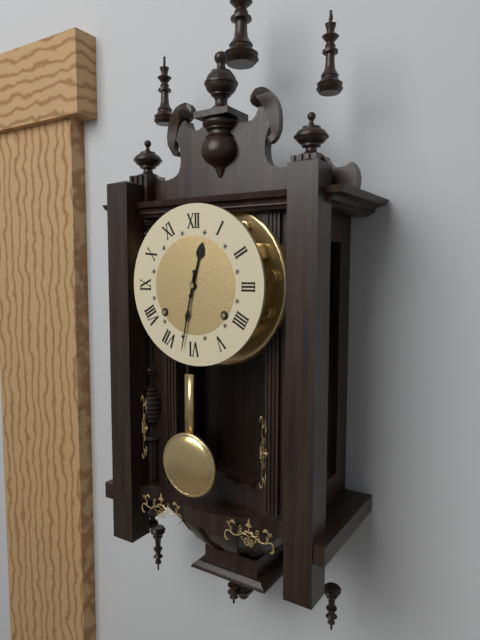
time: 12:32
